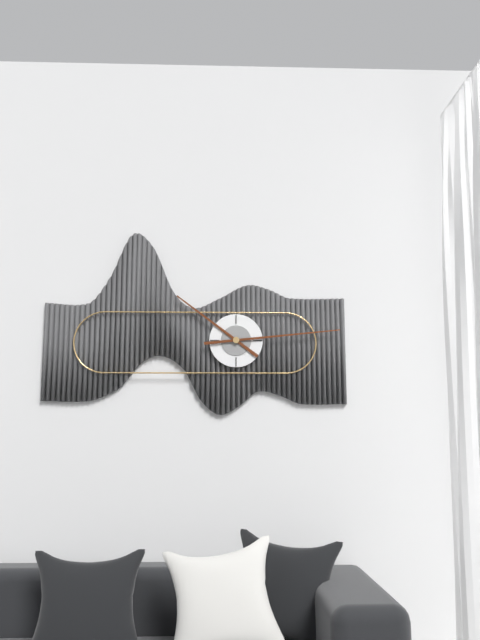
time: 10:14
